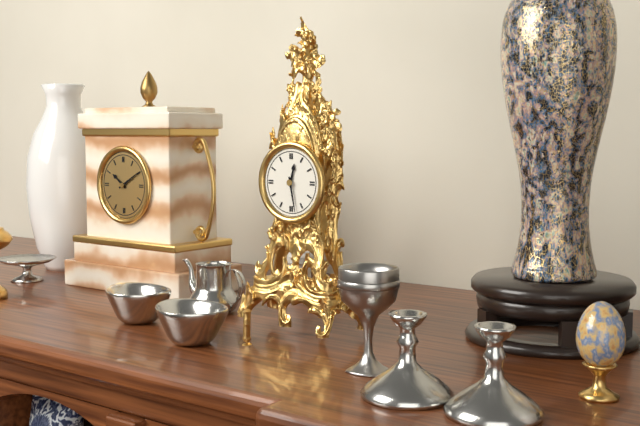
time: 12:28
